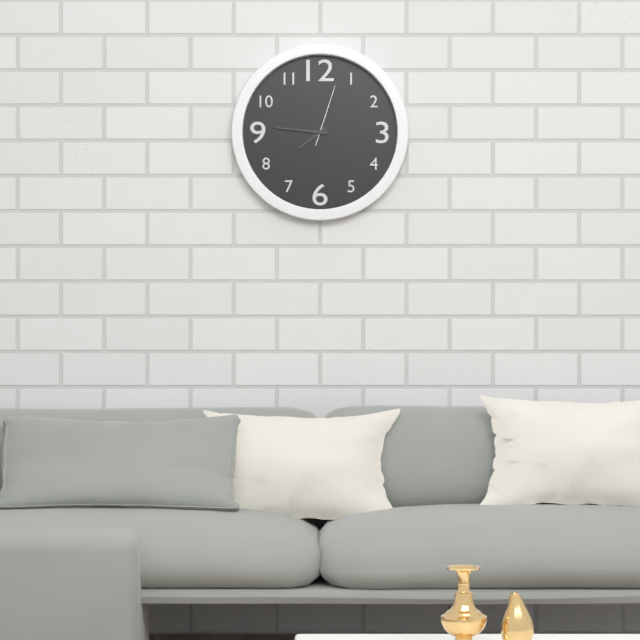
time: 7:46:03
